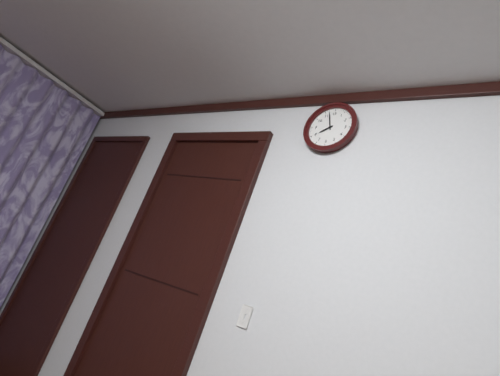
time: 7:57
